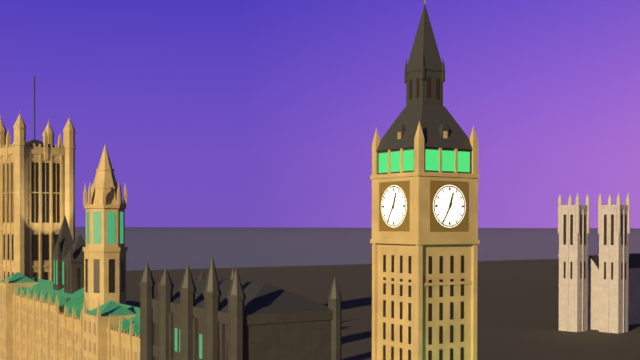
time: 12:35
